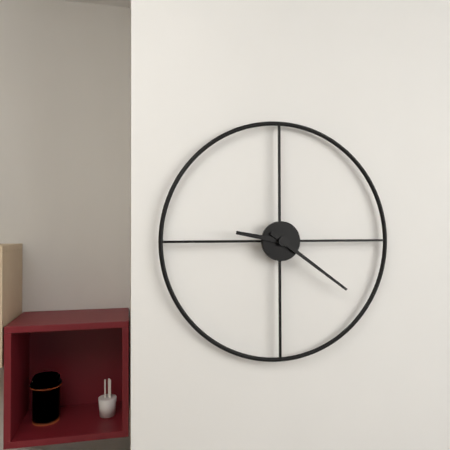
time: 9:21
